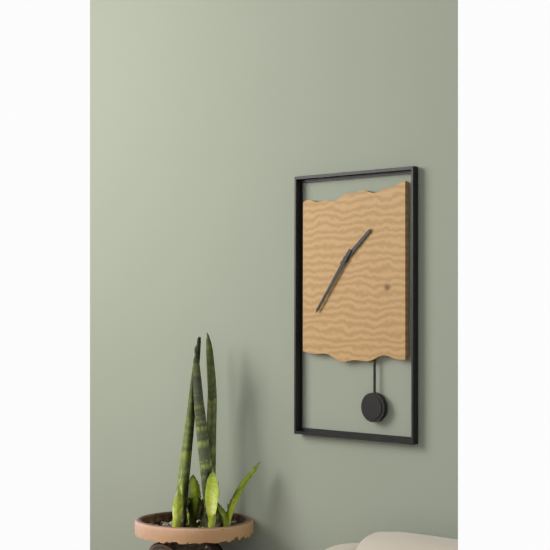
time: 1:36
